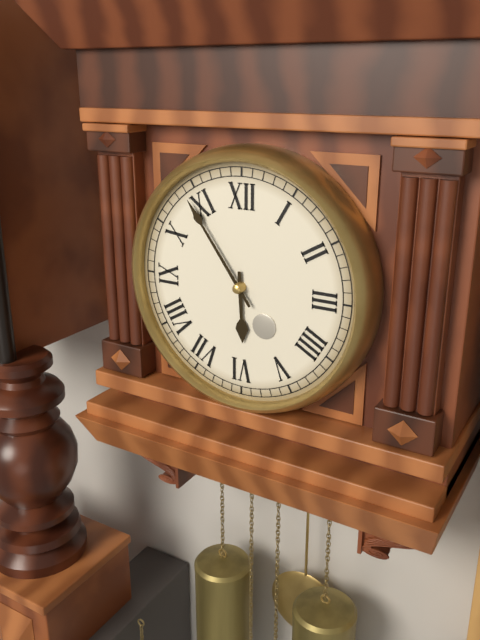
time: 5:54
